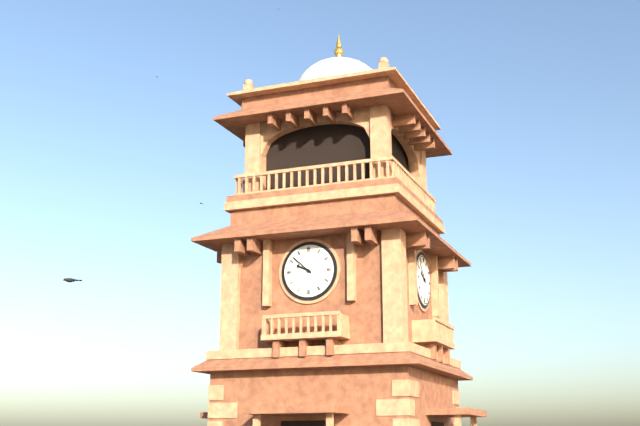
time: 9:52
